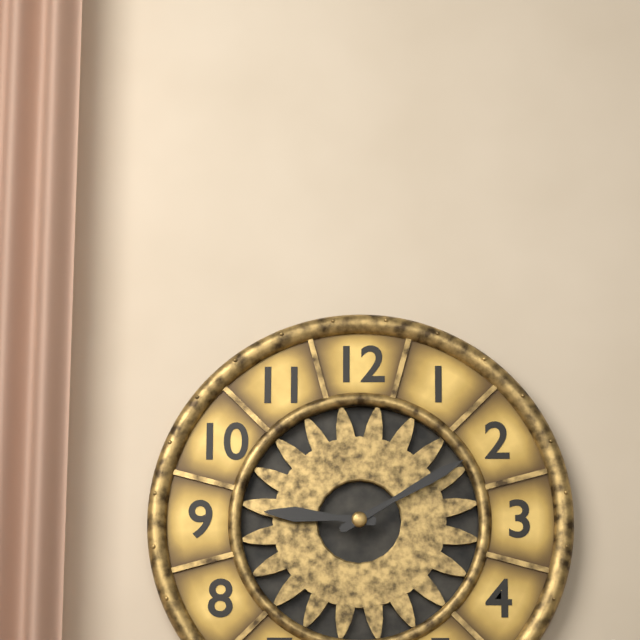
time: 9:10
